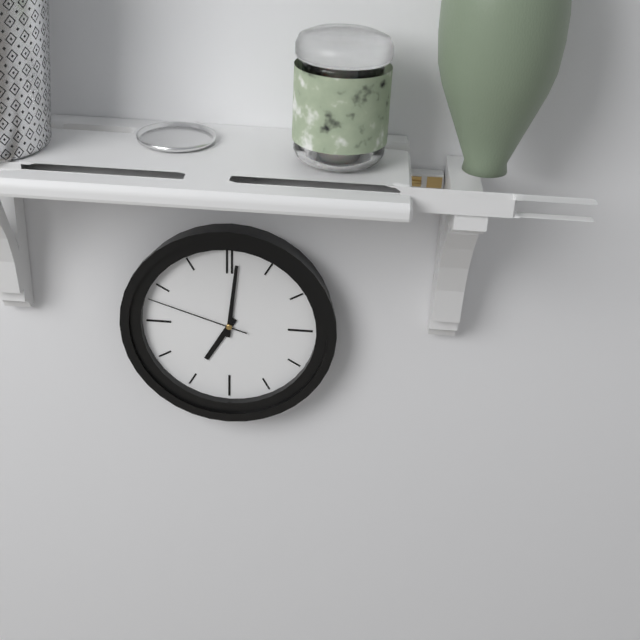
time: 7:01:48
